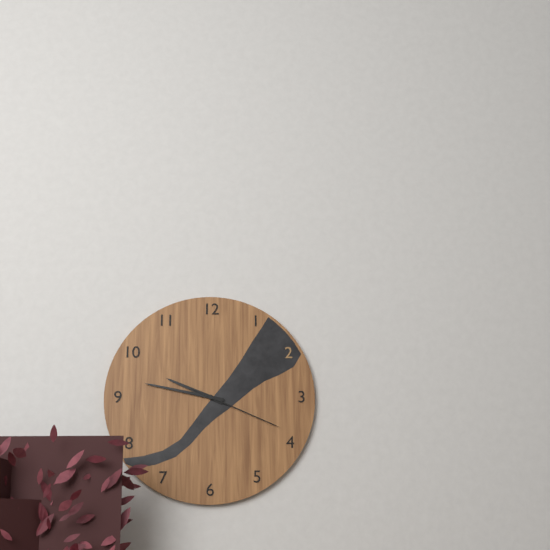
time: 9:47:19
